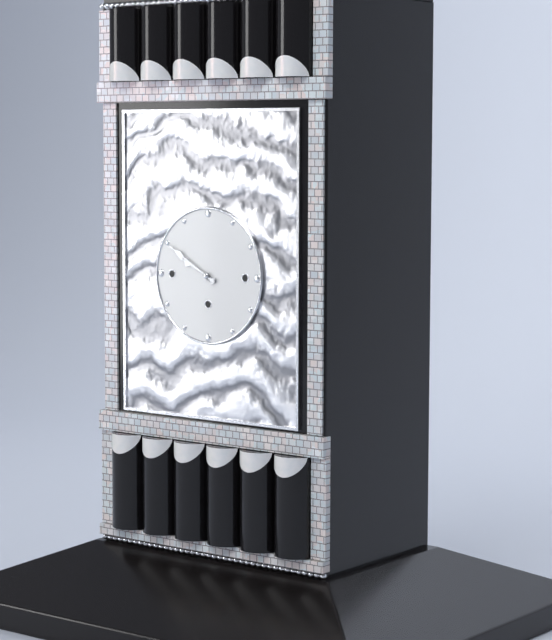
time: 9:50
